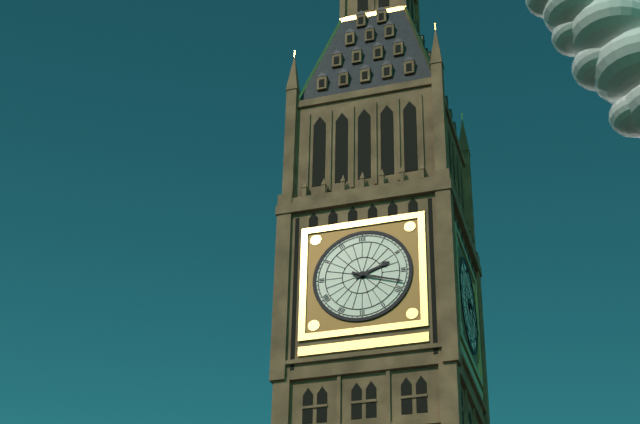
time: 2:18
